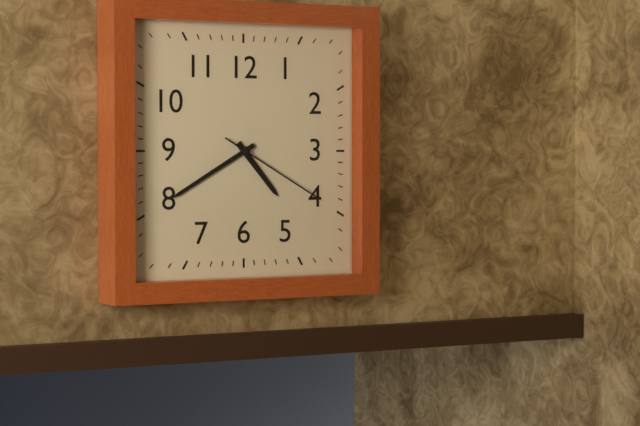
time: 4:40:20
